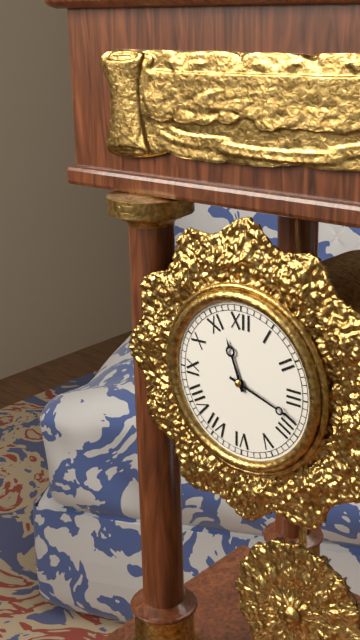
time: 11:18
